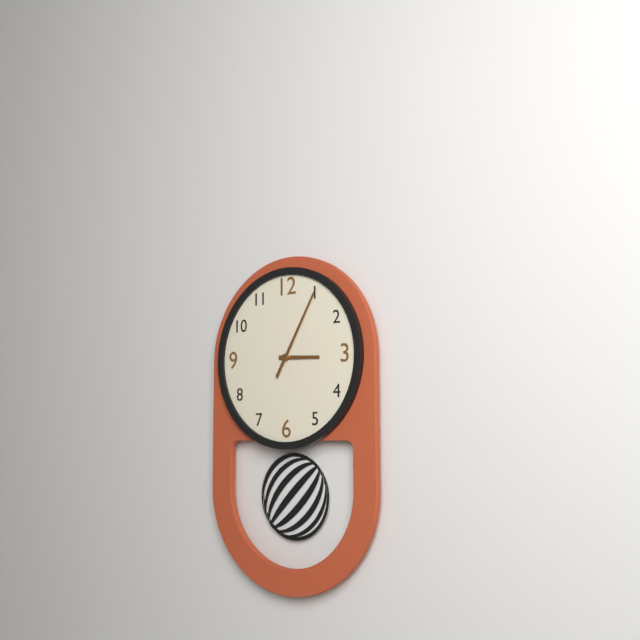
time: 3:05
